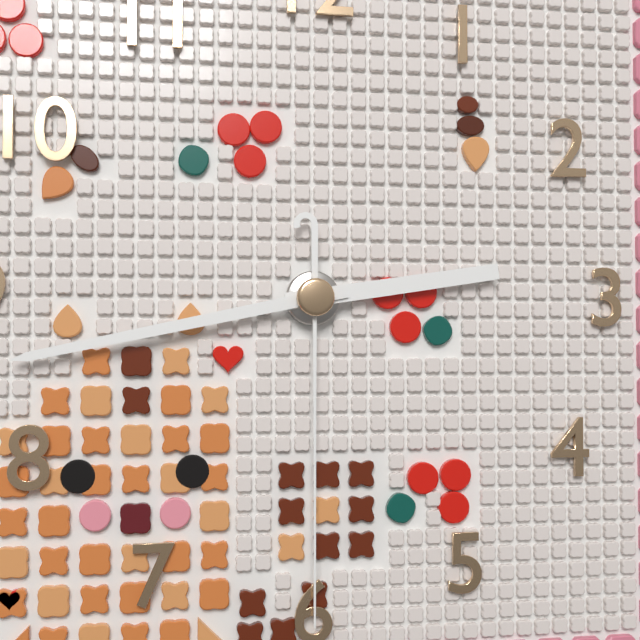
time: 2:43:30
